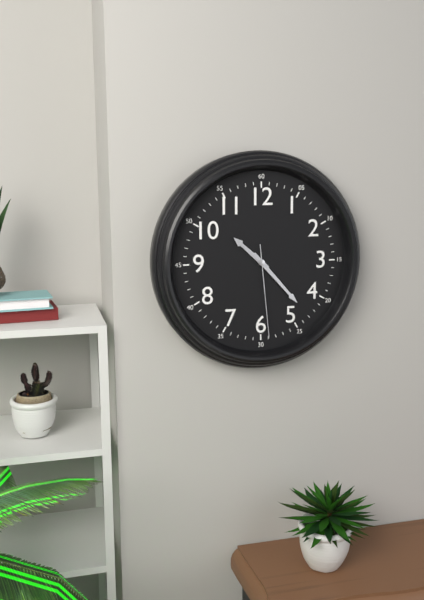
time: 10:23:29
